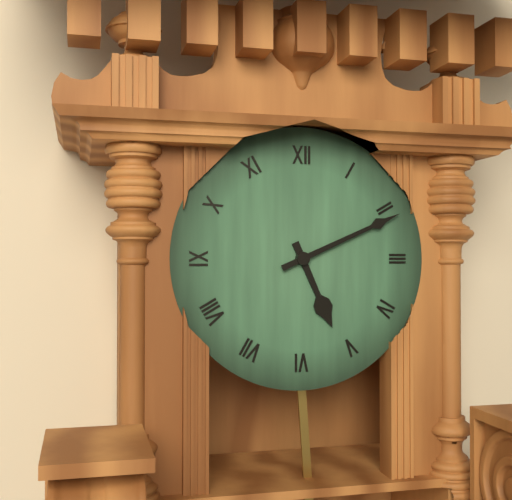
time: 5:11
